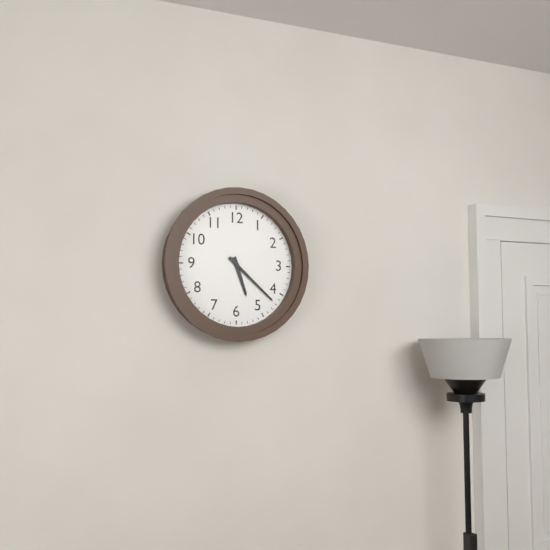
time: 5:22
